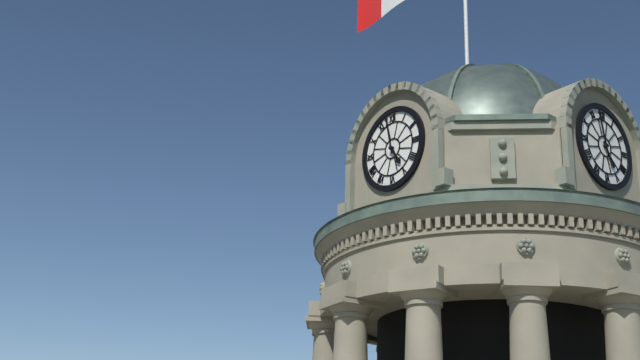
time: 4:58
